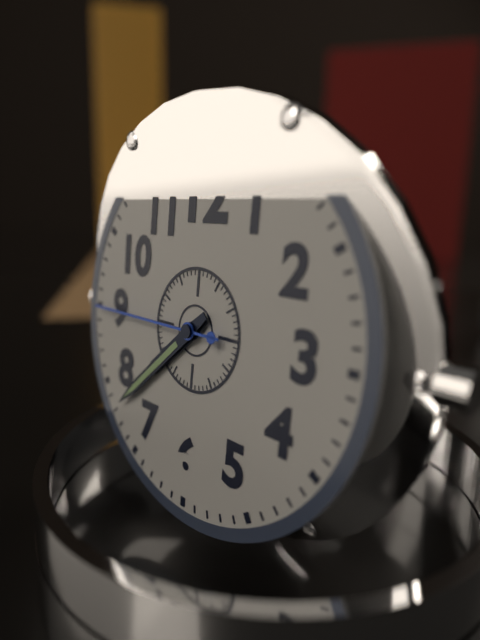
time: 7:38:45
